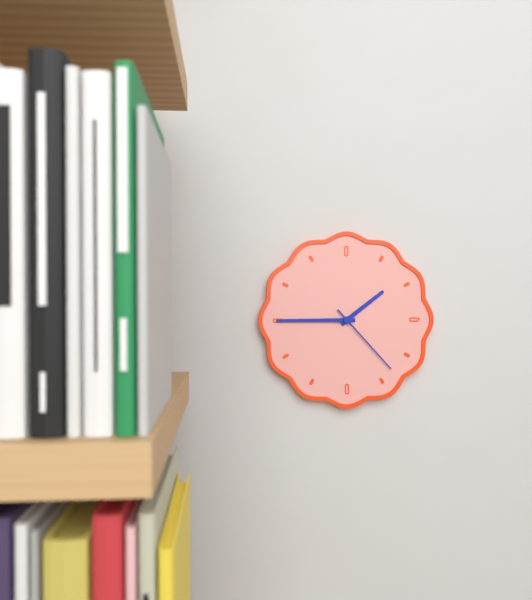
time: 1:45:23
